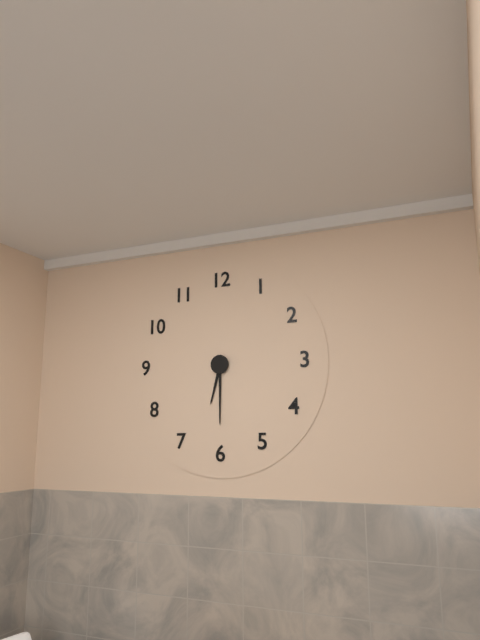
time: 6:30
